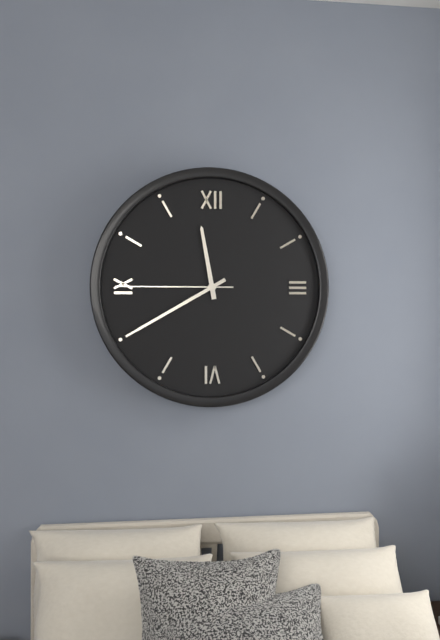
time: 11:40:45
